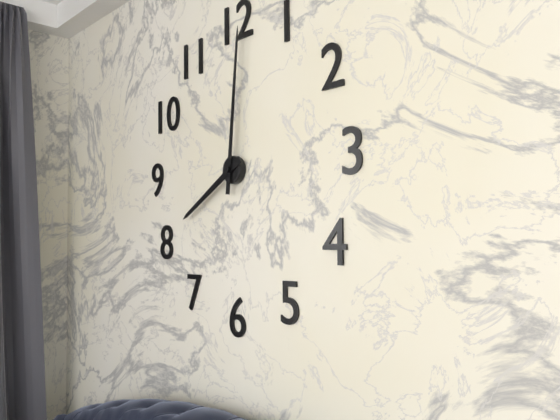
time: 8:01
